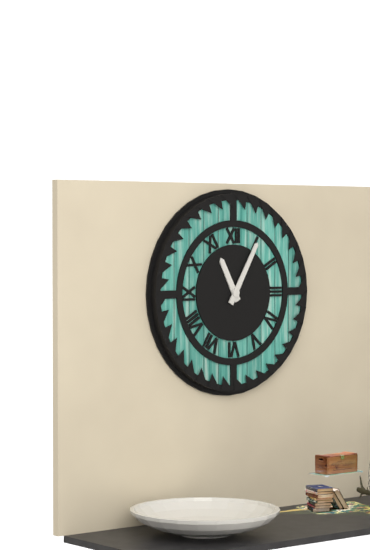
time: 11:05
